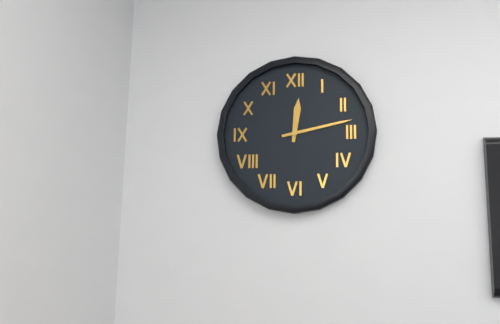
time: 12:13
